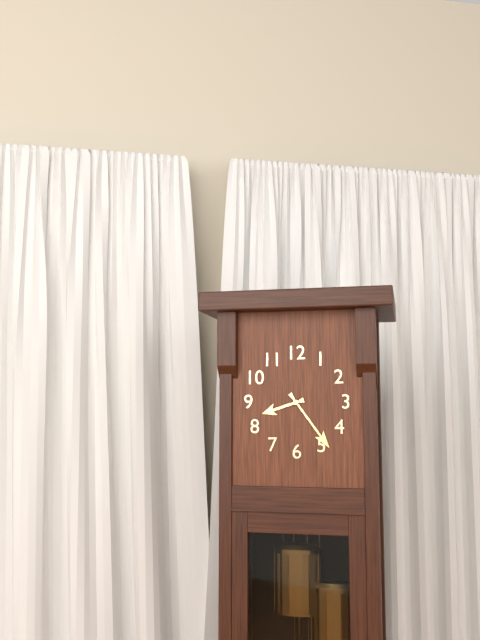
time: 8:24
